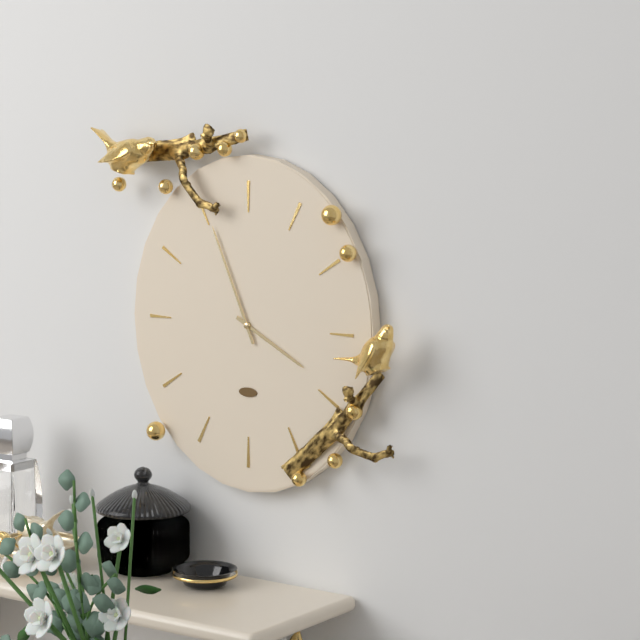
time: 3:56
